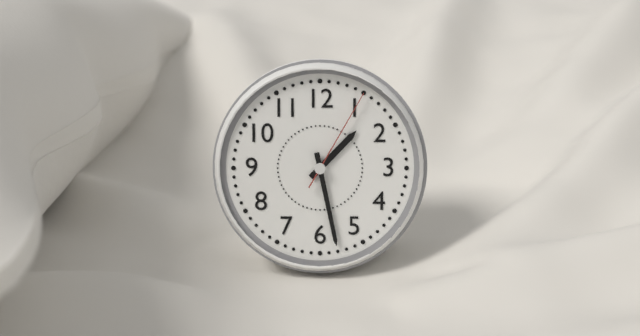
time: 1:28:05
